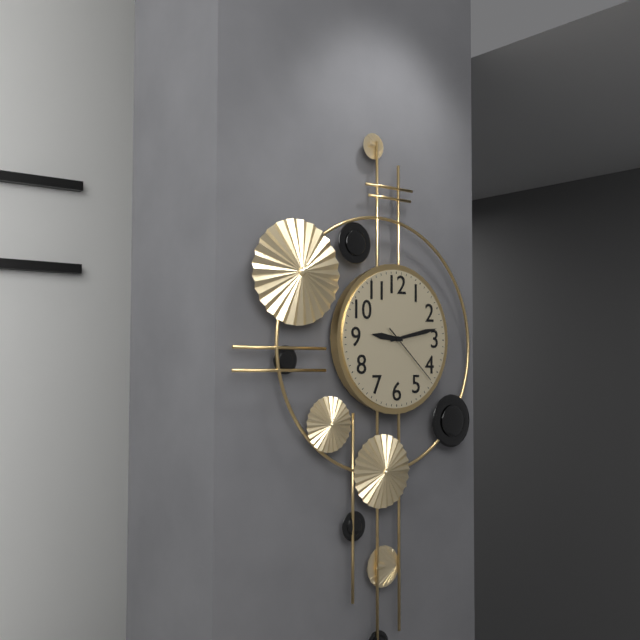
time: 9:13:22
